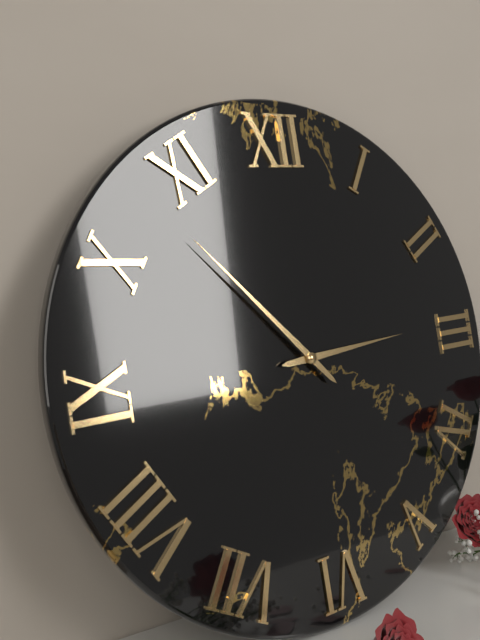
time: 2:53
